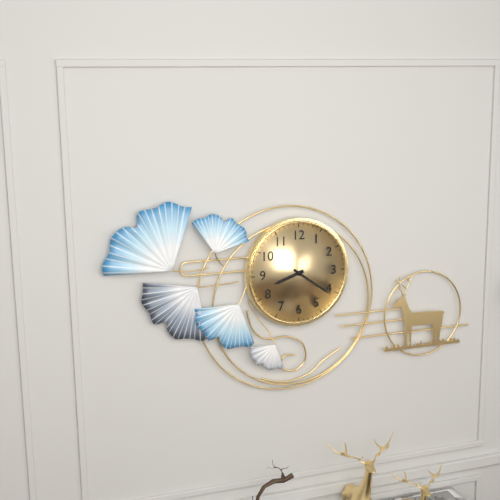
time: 8:21
